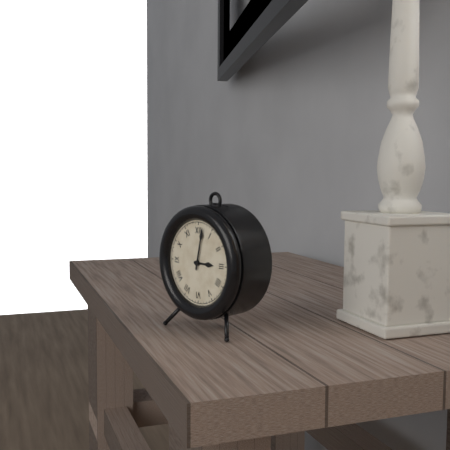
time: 3:02
